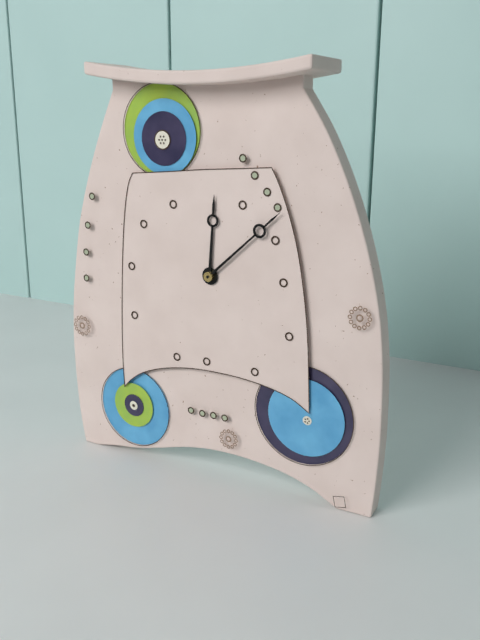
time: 12:08
